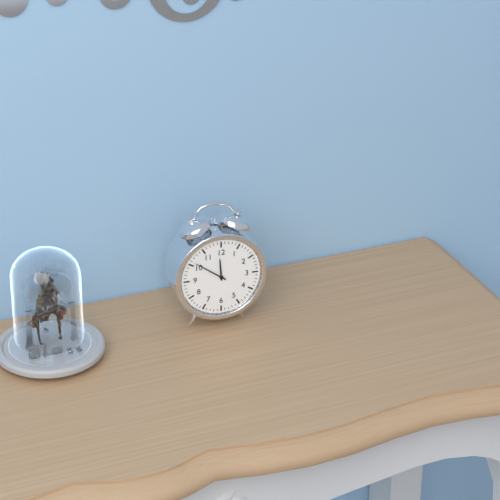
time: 11:51
